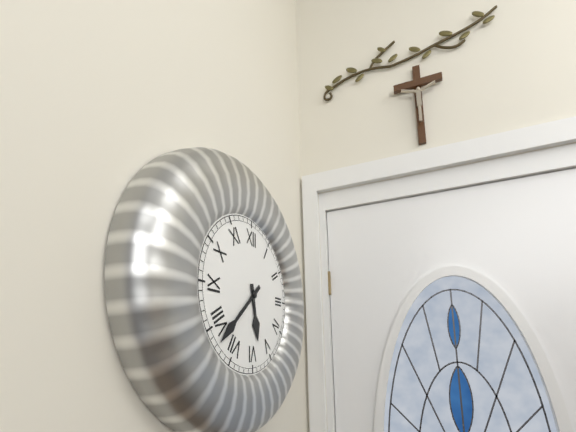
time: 5:38
